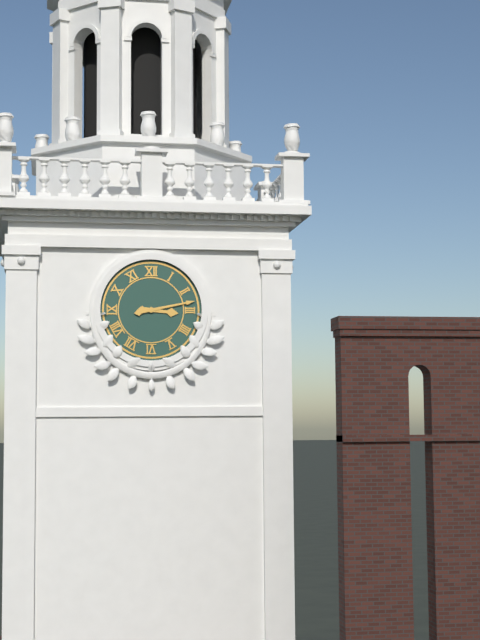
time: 3:13
